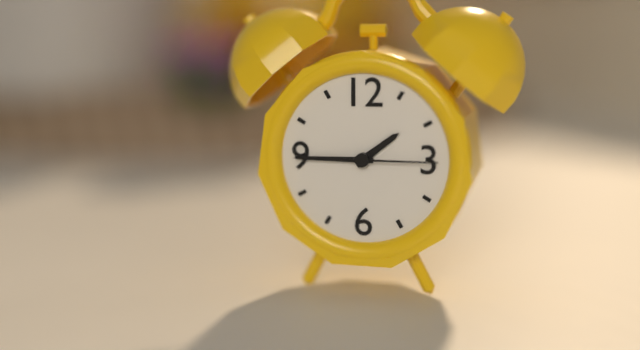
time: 1:45:15
